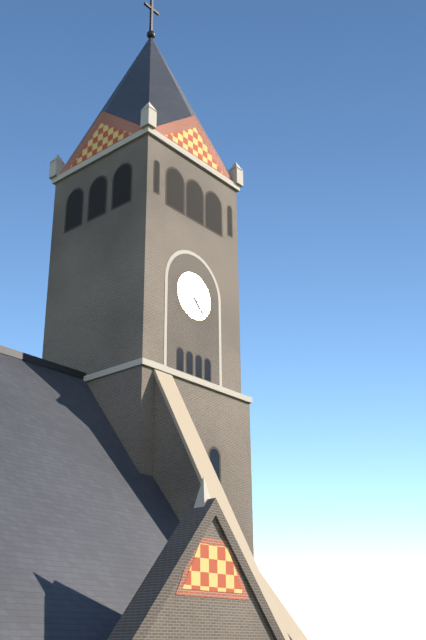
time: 8:23
